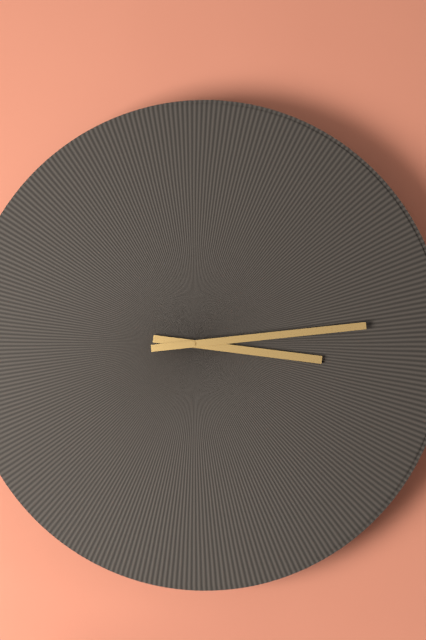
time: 3:14
